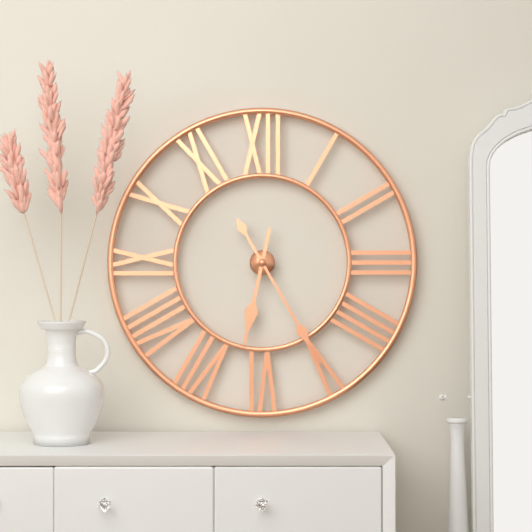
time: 6:25
